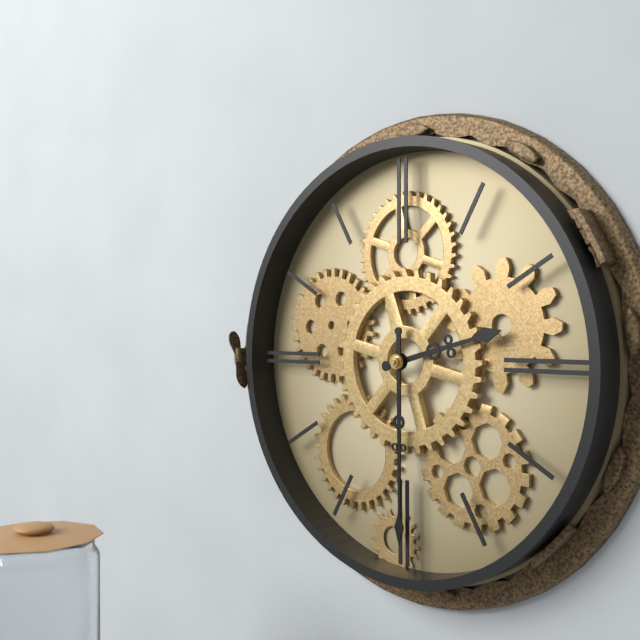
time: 2:30
